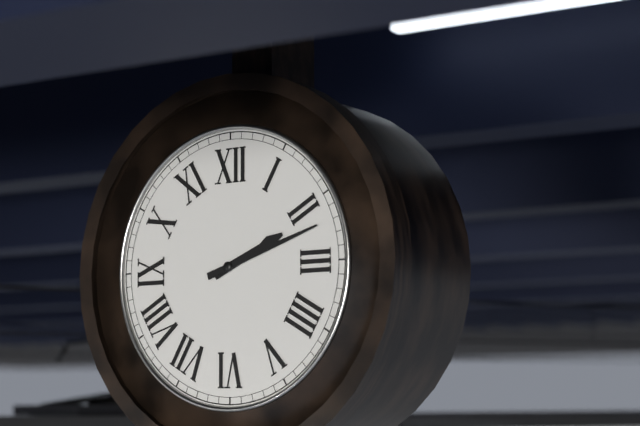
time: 2:12
